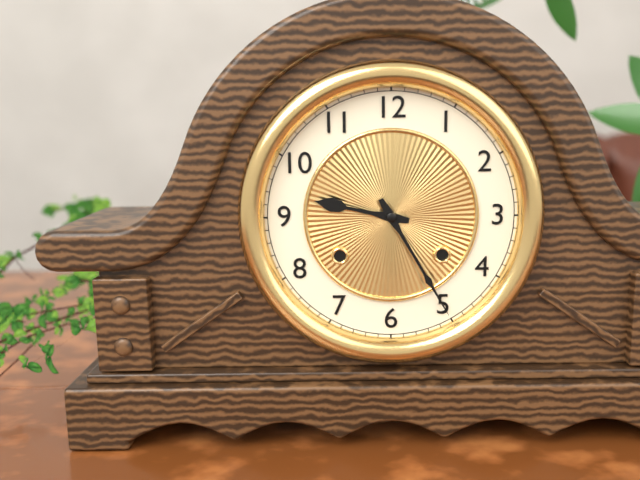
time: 9:25
